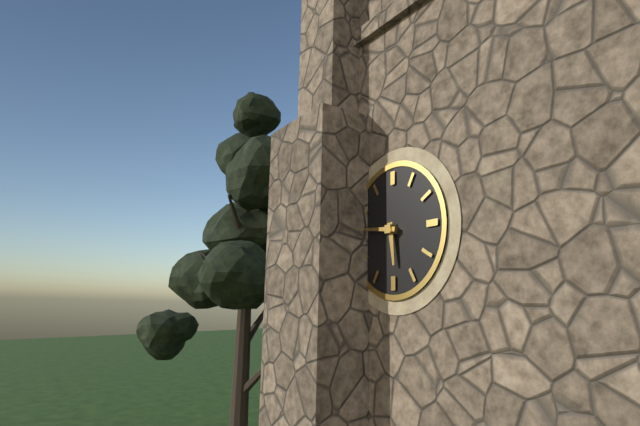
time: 5:46
